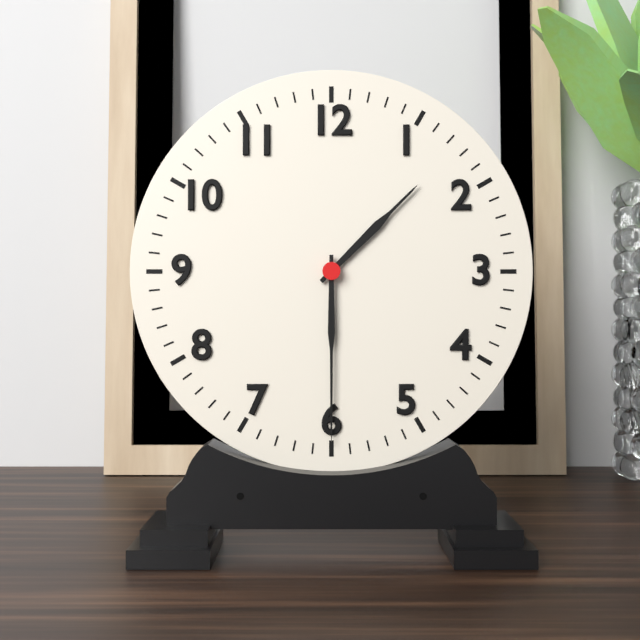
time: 1:30
